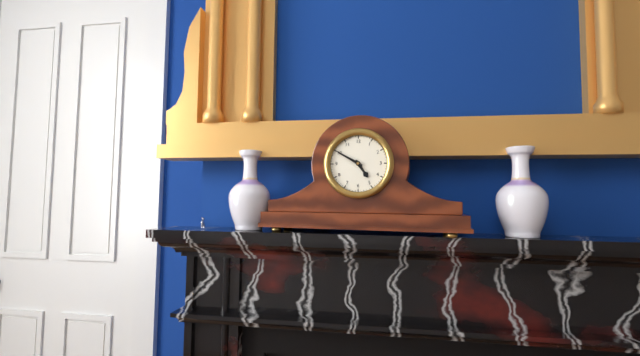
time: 4:50
